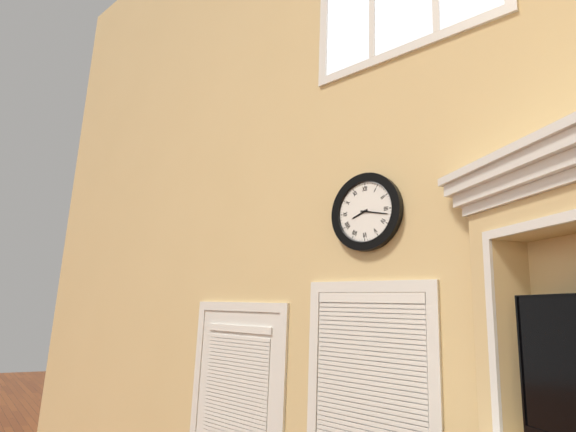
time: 8:17
